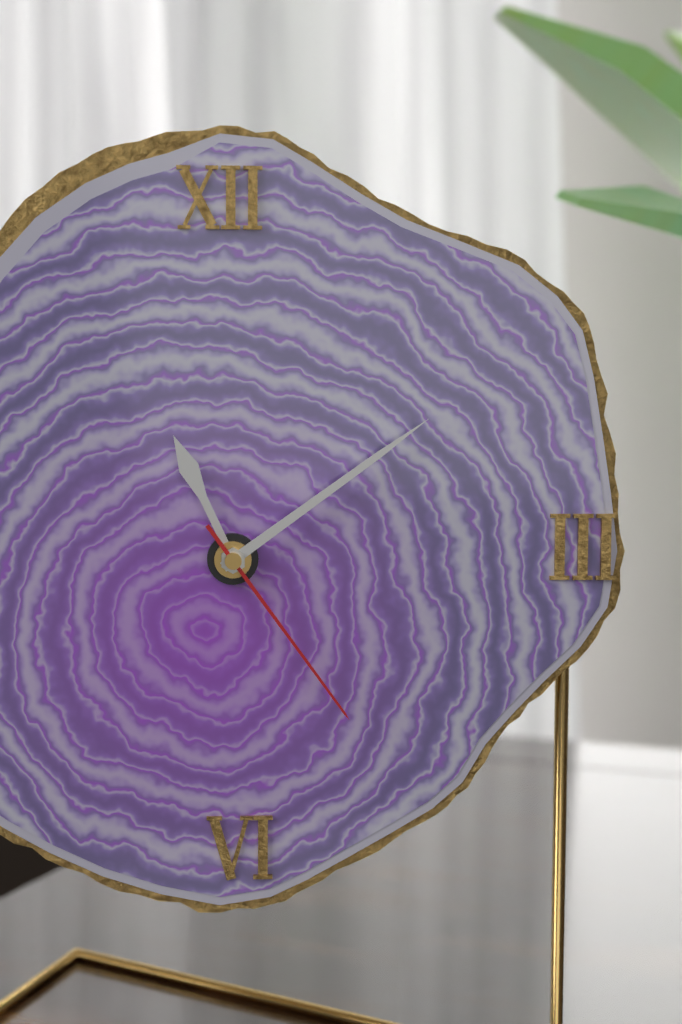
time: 11:09:24
